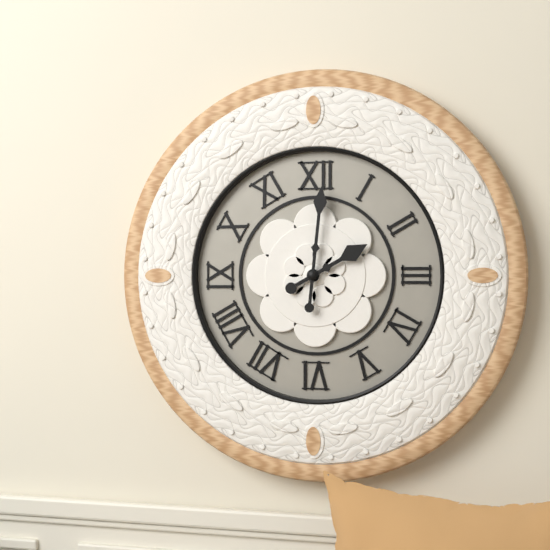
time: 2:01
